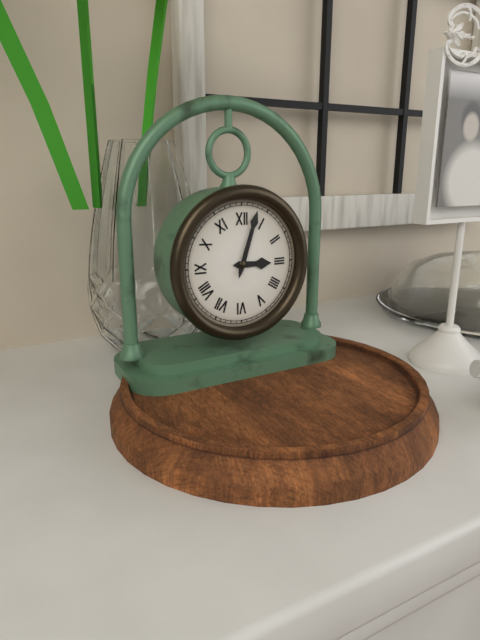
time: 3:03
